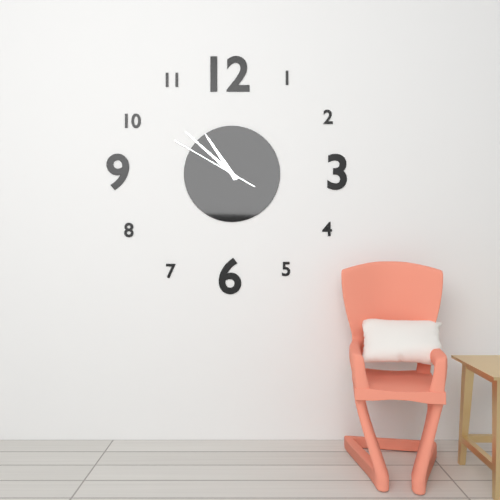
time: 10:52:50
